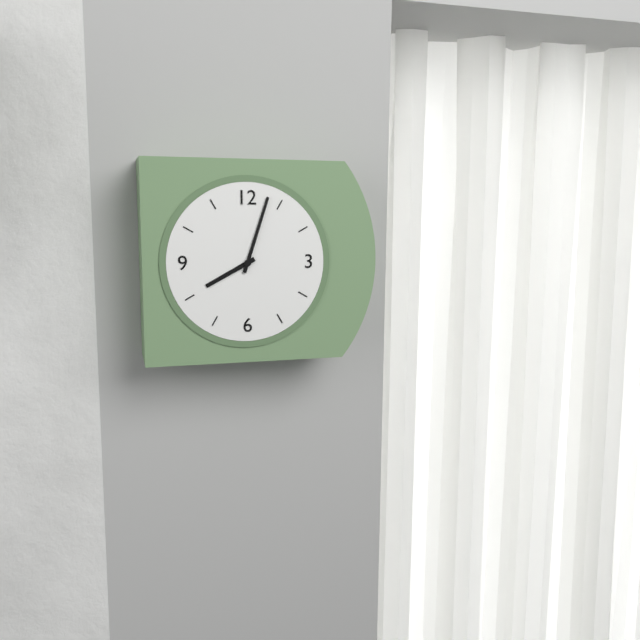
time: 8:03
